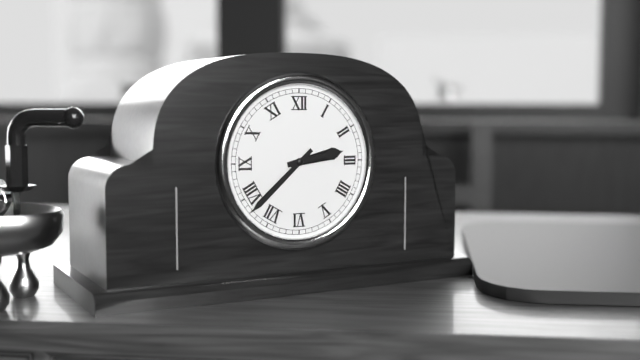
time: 2:38
